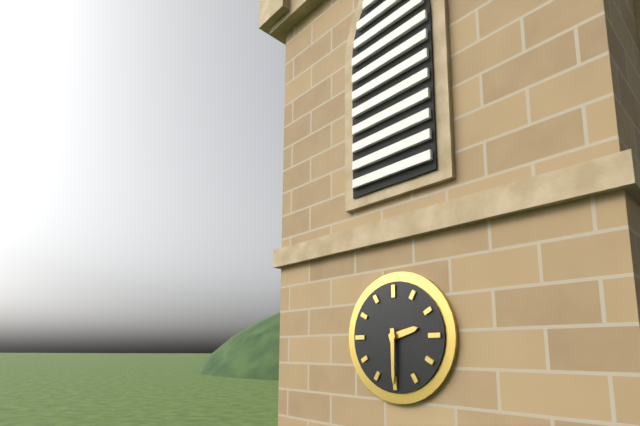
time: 2:30
